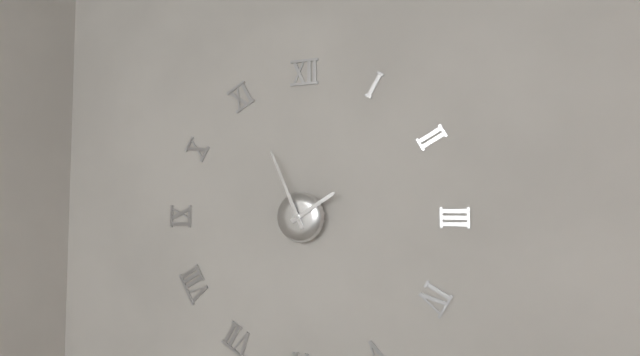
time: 1:56
